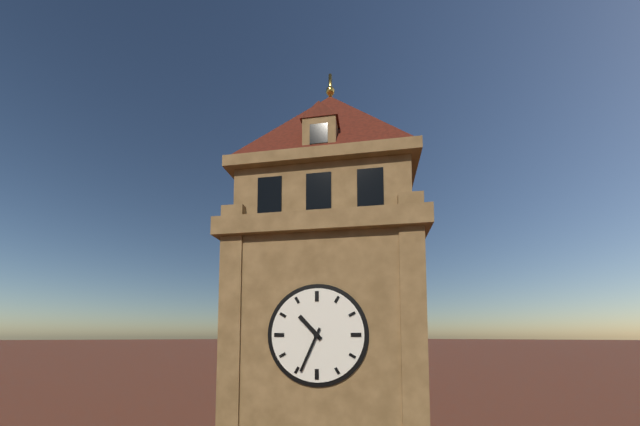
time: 10:34
